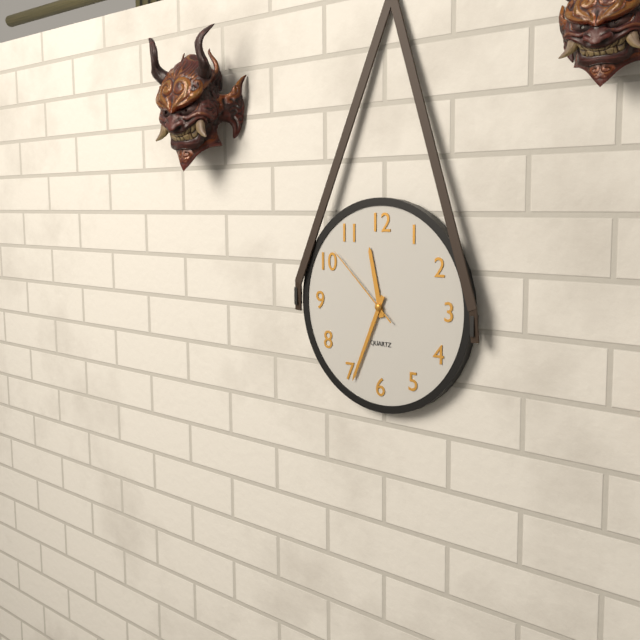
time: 11:34:52
